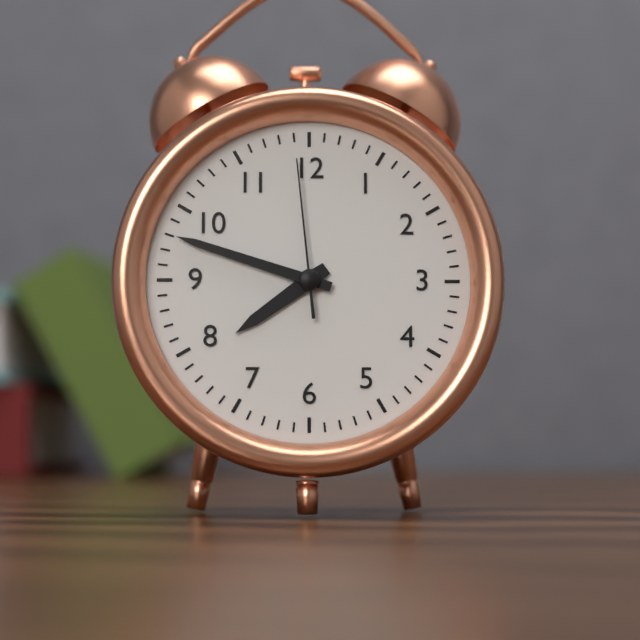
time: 7:48:59
